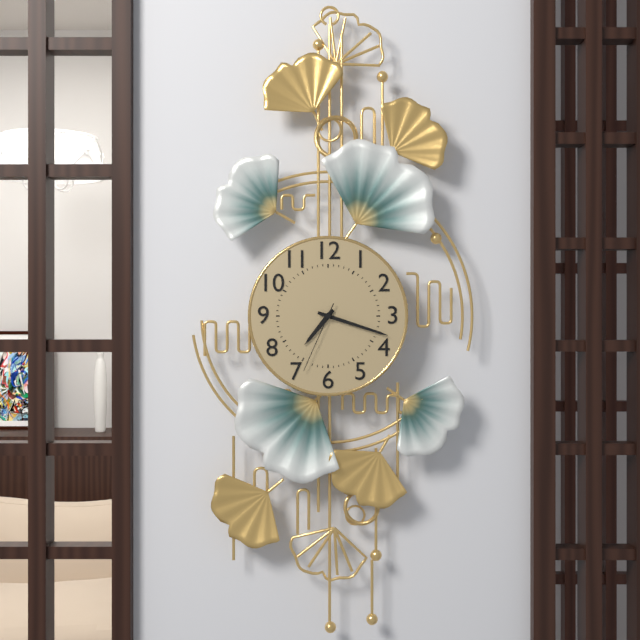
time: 7:18:34
